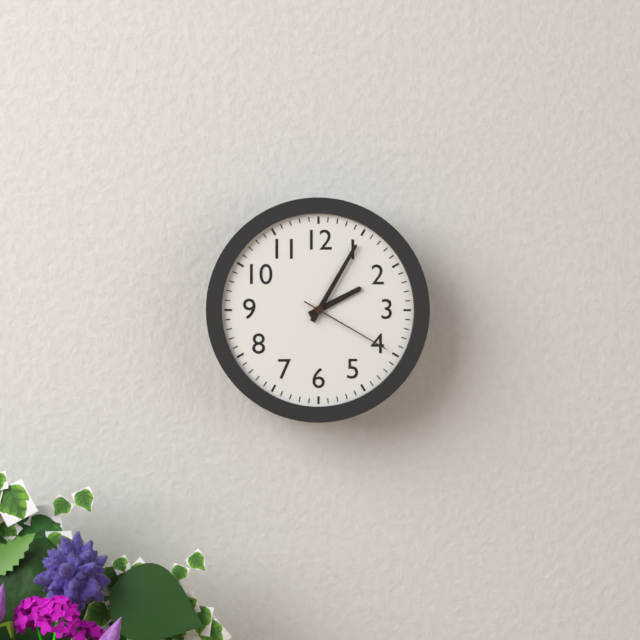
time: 2:05:20
